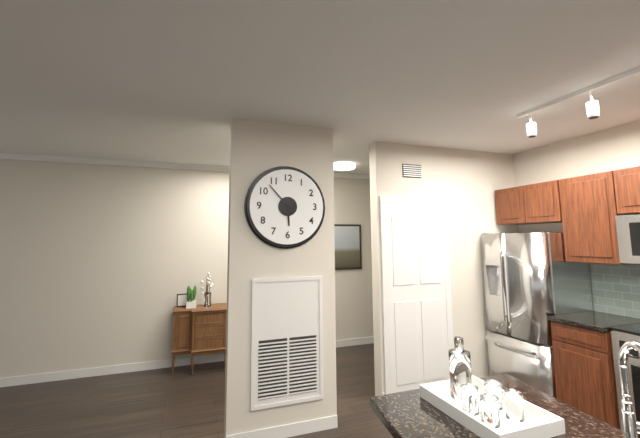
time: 5:53
